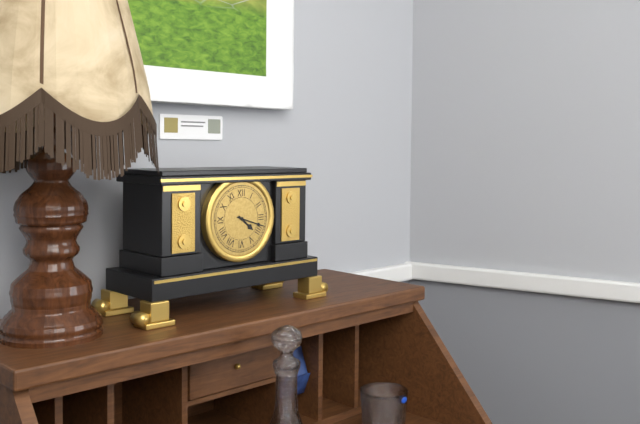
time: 4:18
